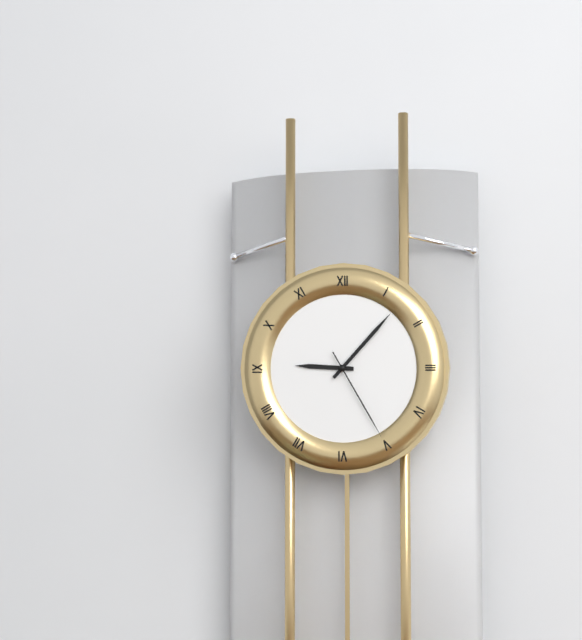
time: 9:07:25
